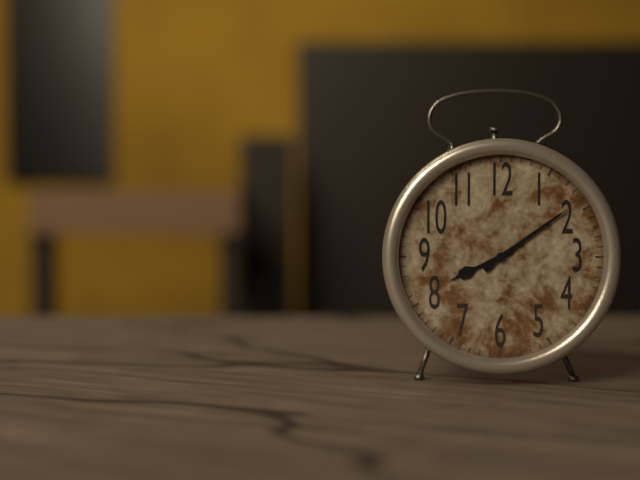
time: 8:09
